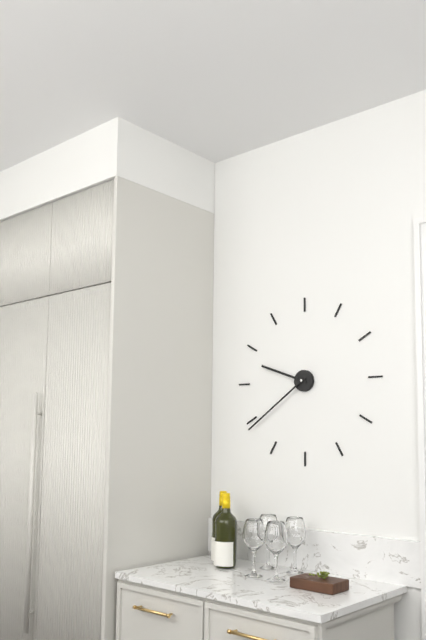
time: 9:39
